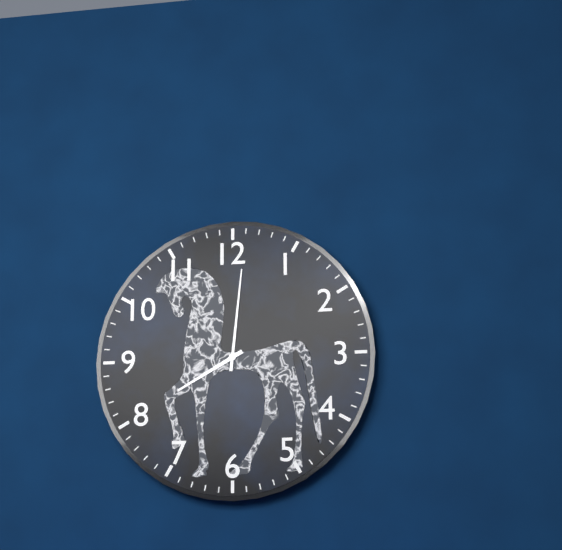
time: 8:01
